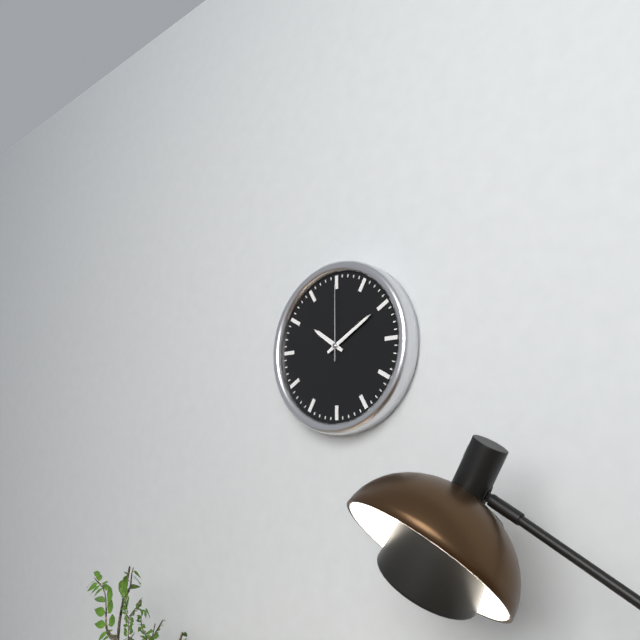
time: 10:10:00
